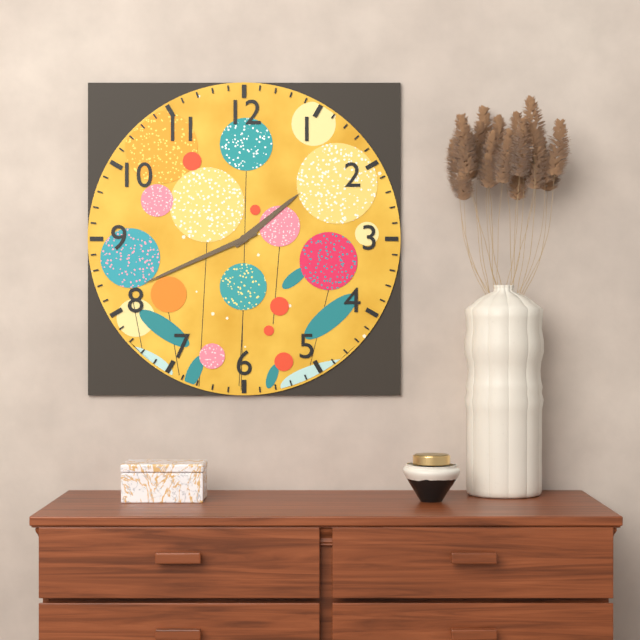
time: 1:41
